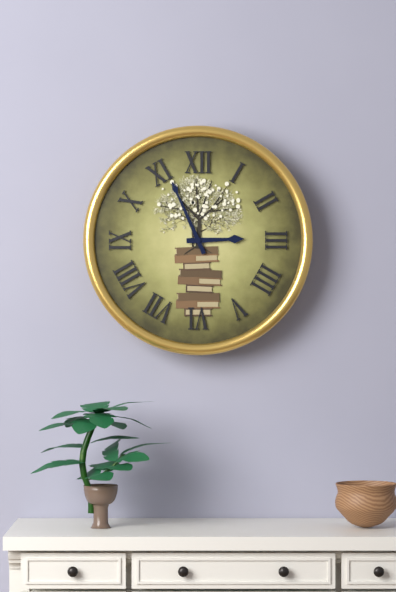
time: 2:56
